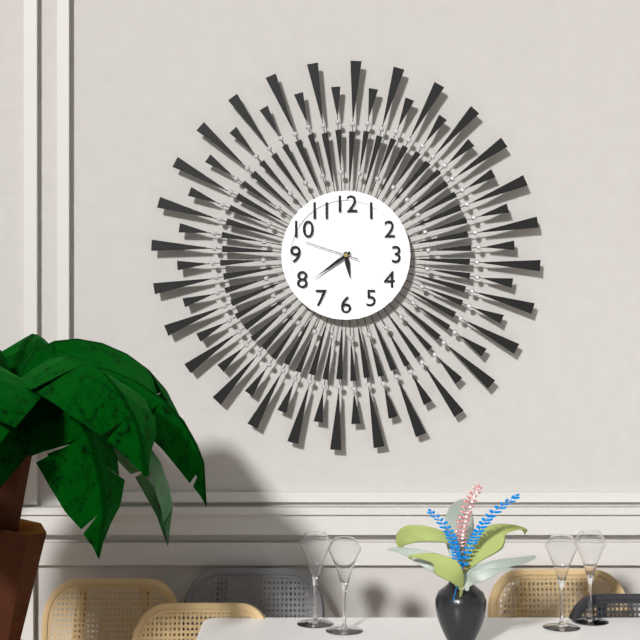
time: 5:39:48
